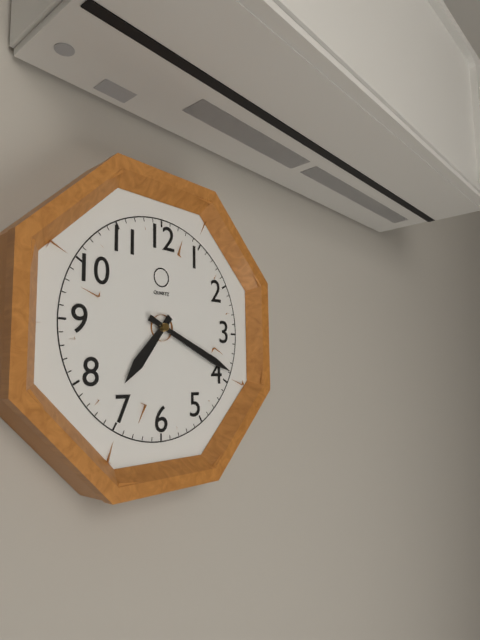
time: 7:19
